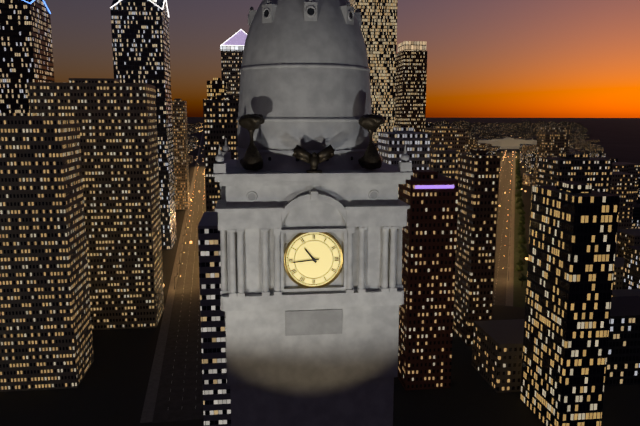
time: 10:44
